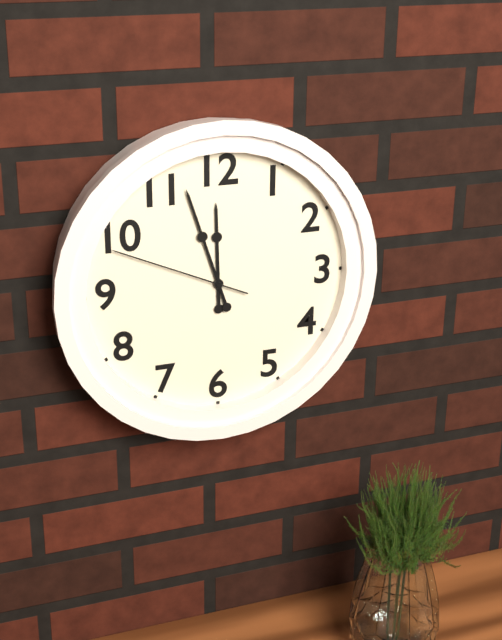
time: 11:57:49
